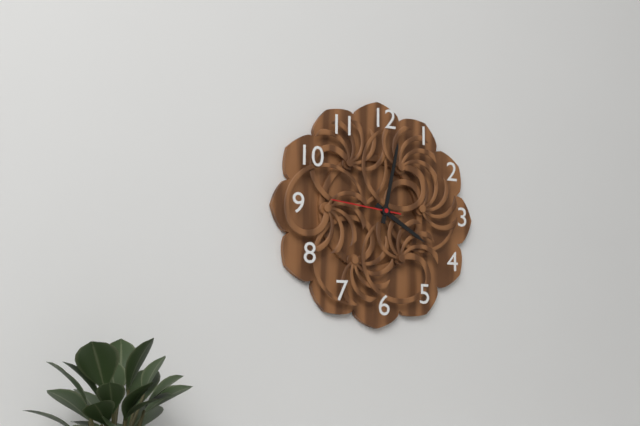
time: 4:02:46
